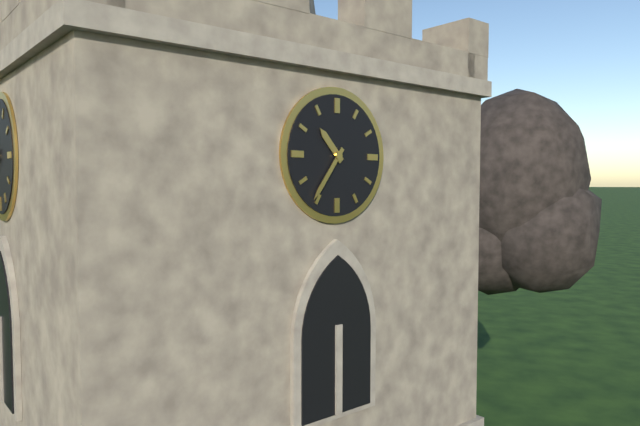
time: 10:36
